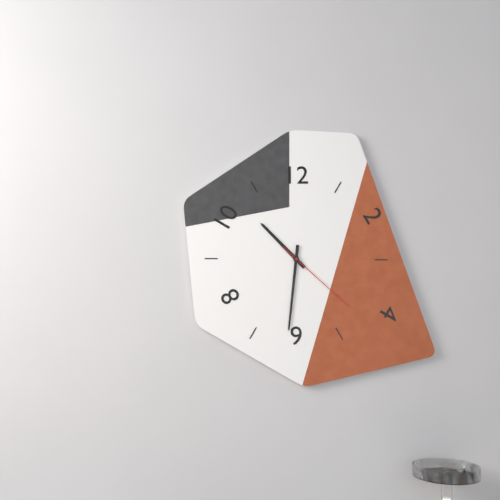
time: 10:31:22
